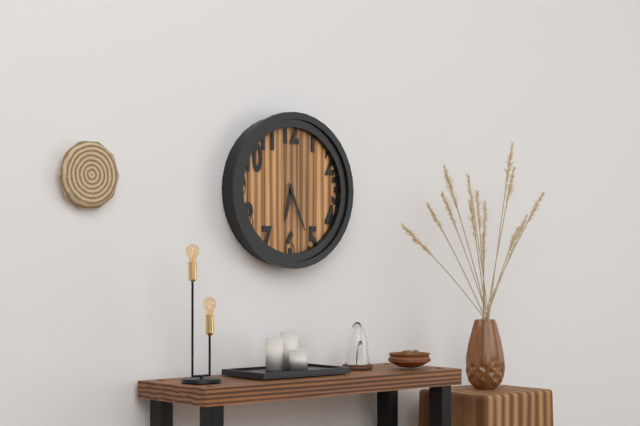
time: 6:26
